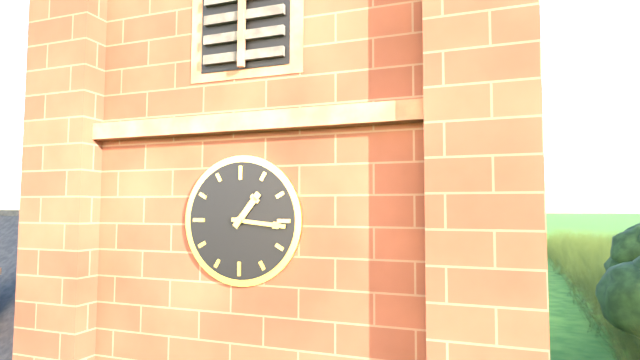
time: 1:16
